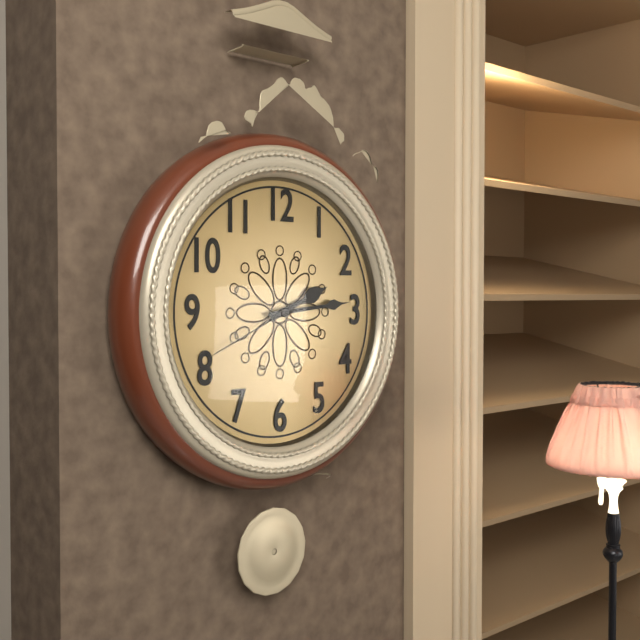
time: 2:14:41
